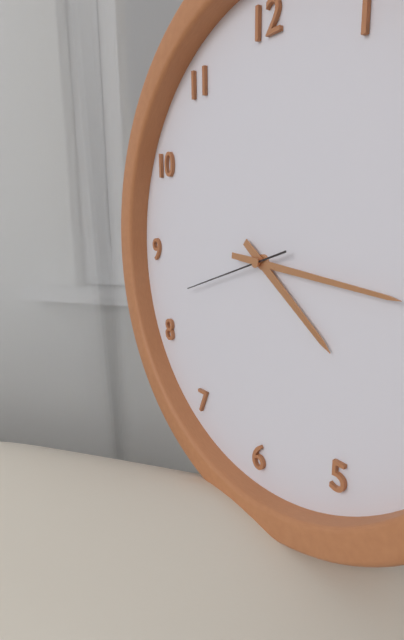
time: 4:16:42
